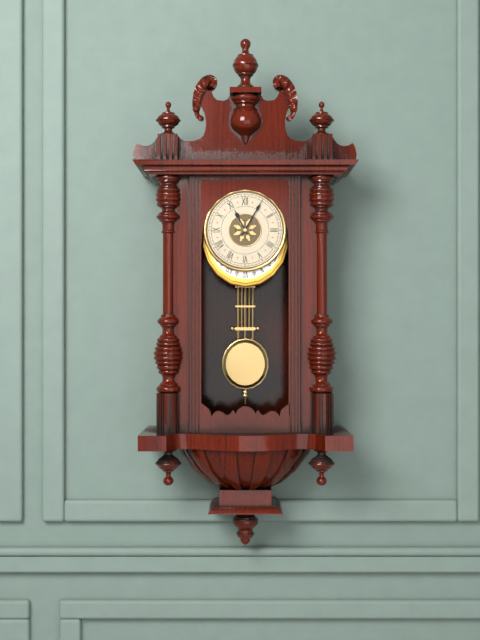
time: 11:05
